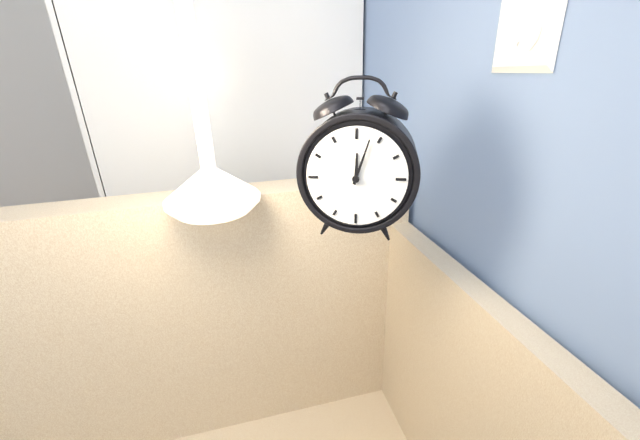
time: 12:03
